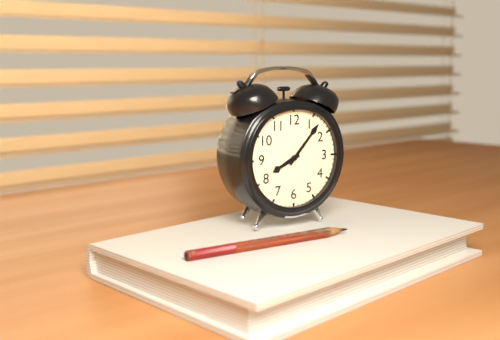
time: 8:07
